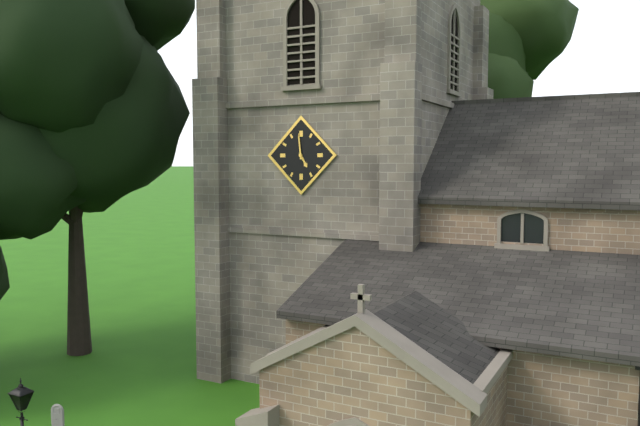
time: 4:59
